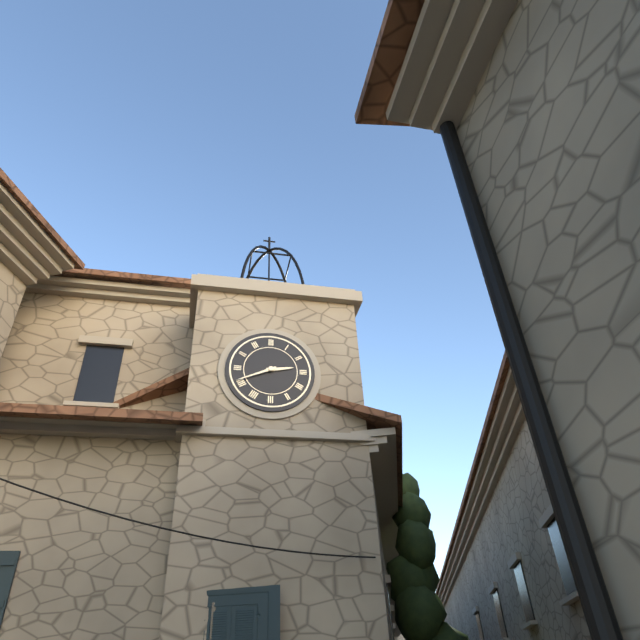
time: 2:41
